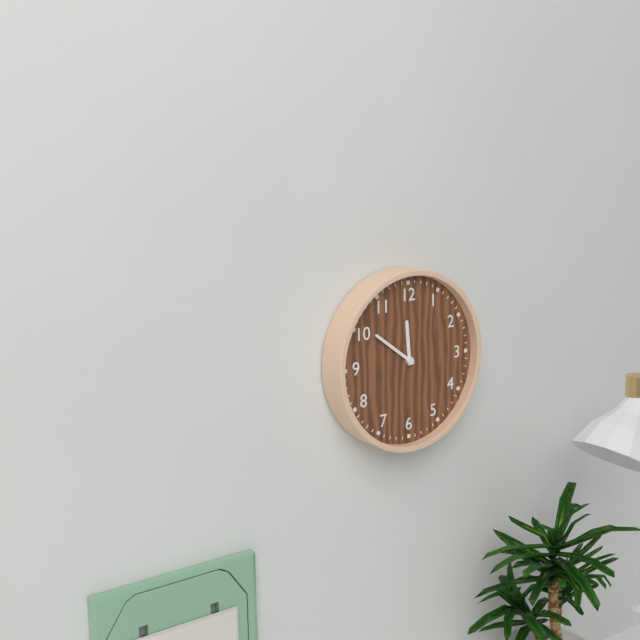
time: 11:51
